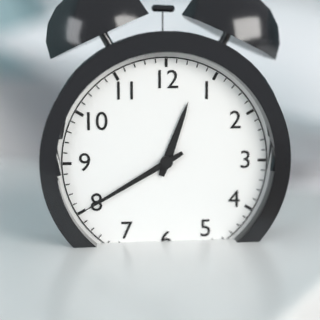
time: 12:40
